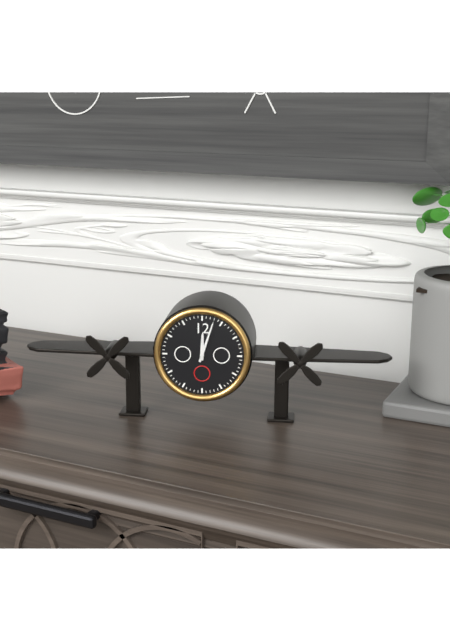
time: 12:03
